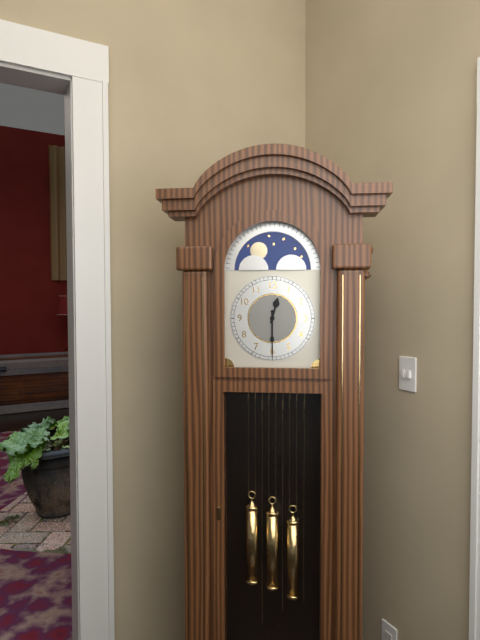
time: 12:30
